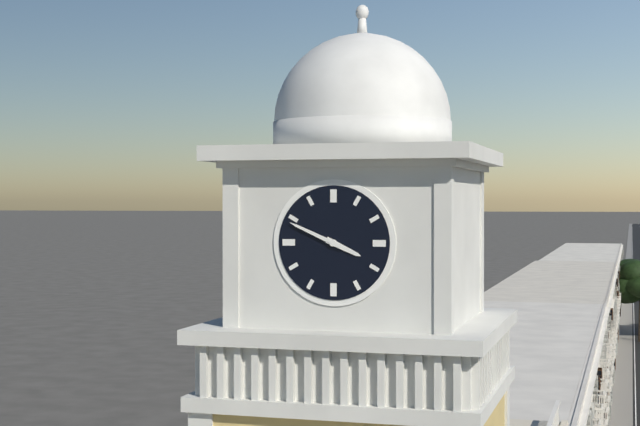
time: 3:49
